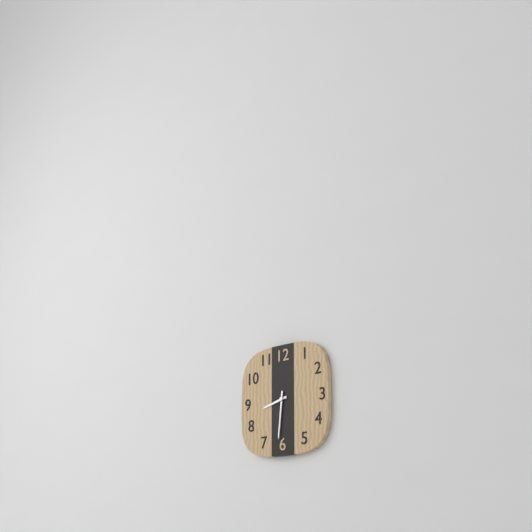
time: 8:31
